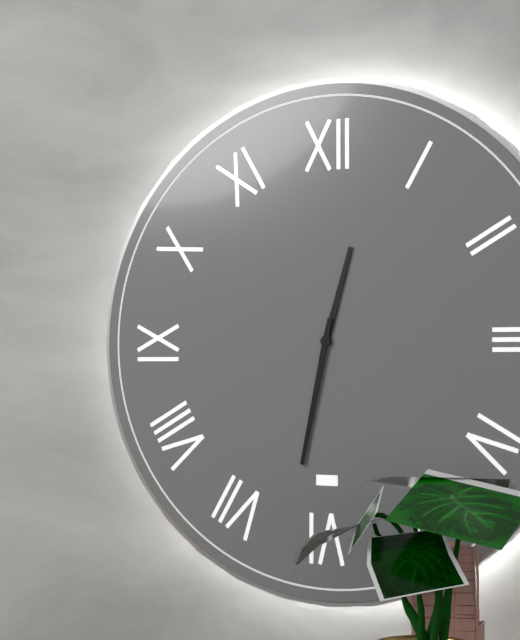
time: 12:32
